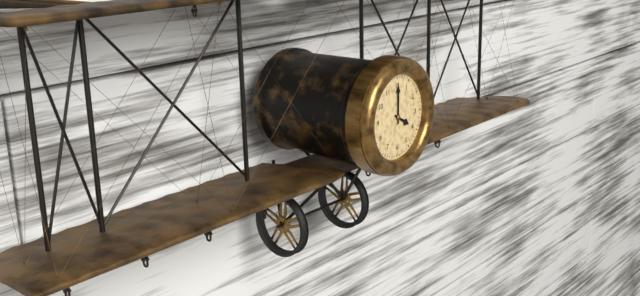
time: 4:00
